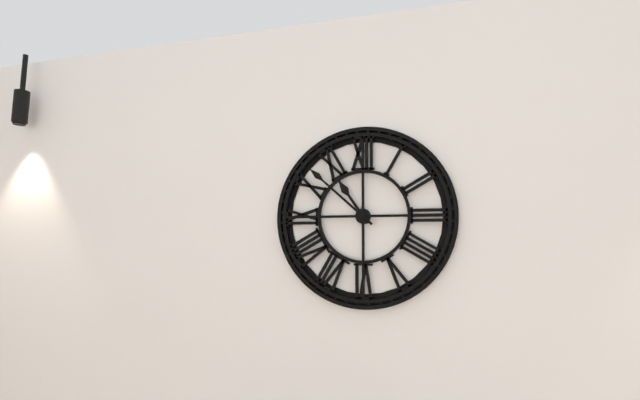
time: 10:52
